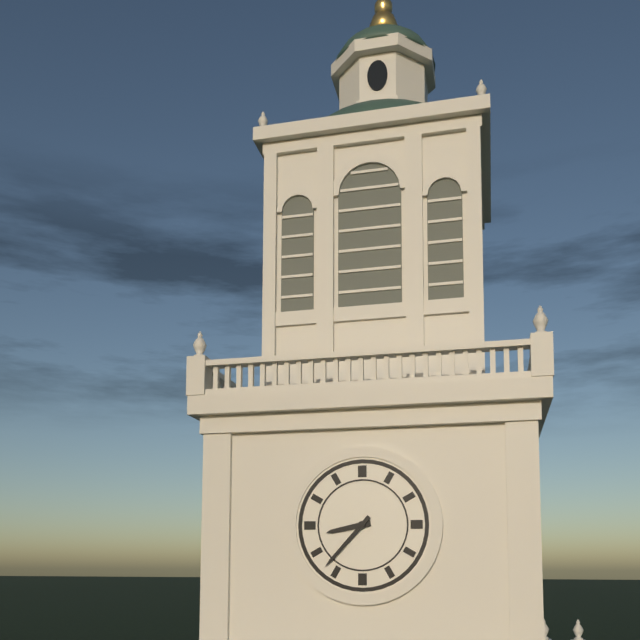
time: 8:37
